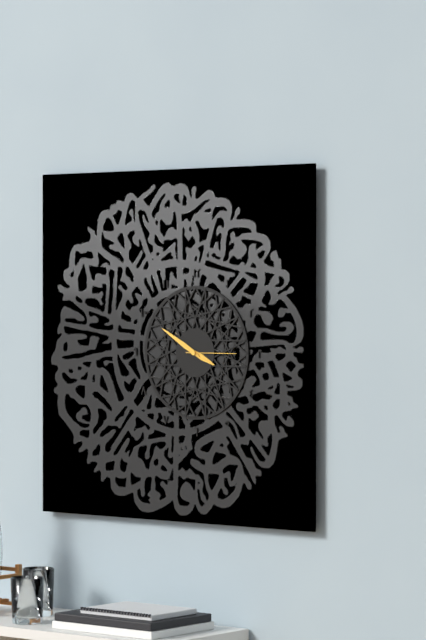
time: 3:50:15
